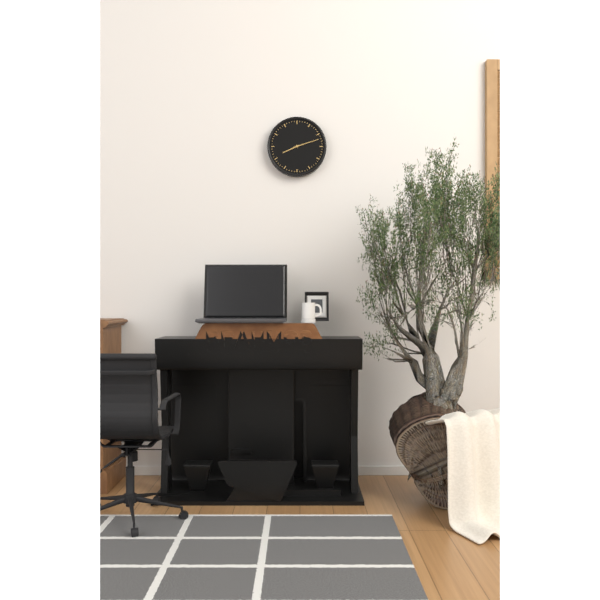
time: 8:12
